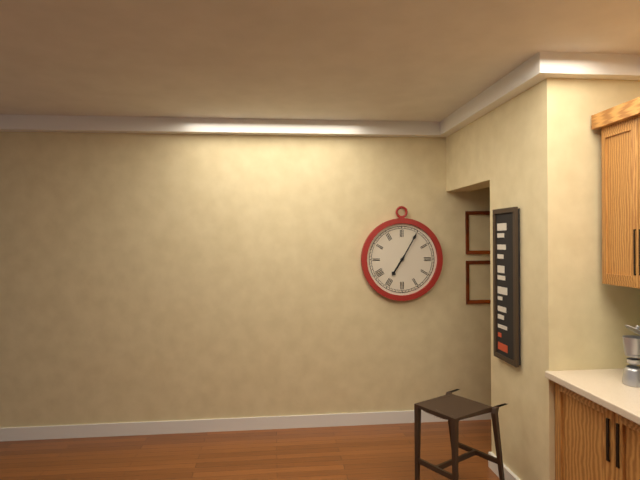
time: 7:05
